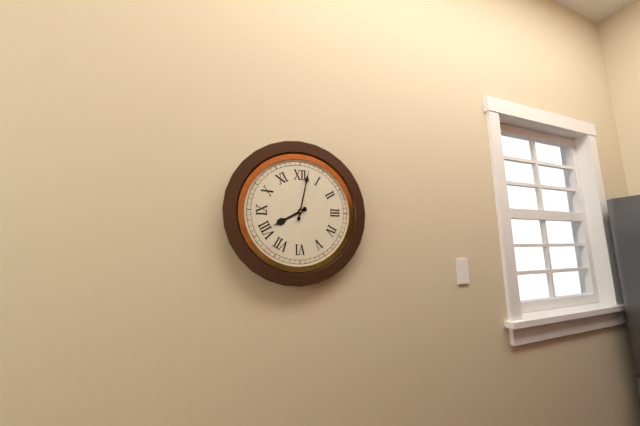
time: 8:02
